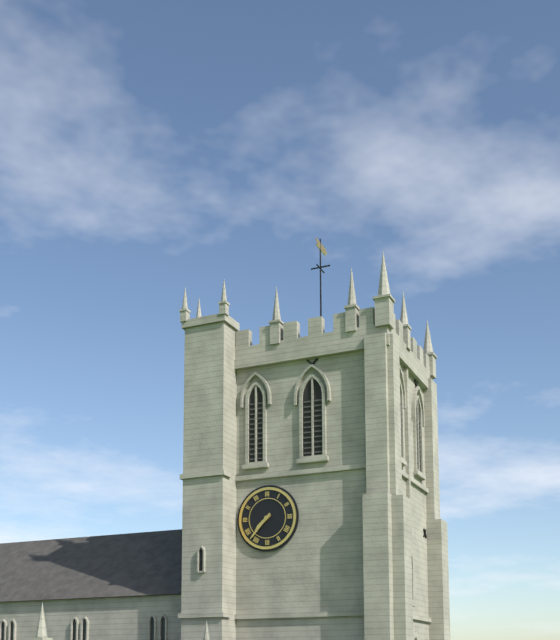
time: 7:37
